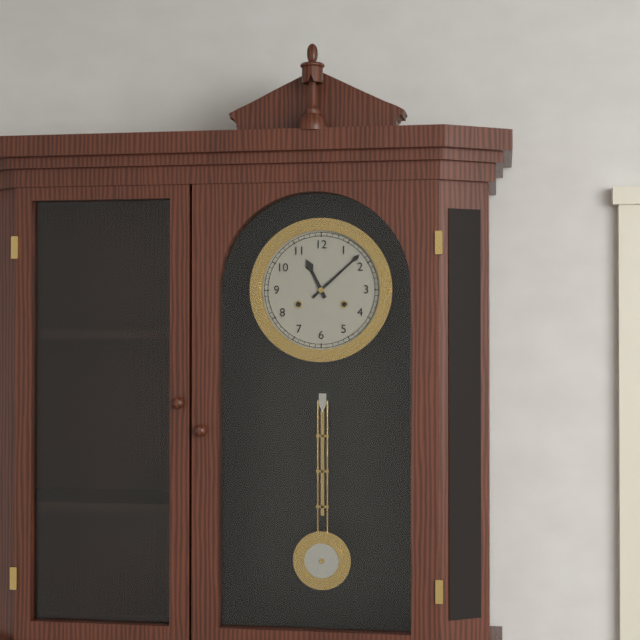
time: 11:08
